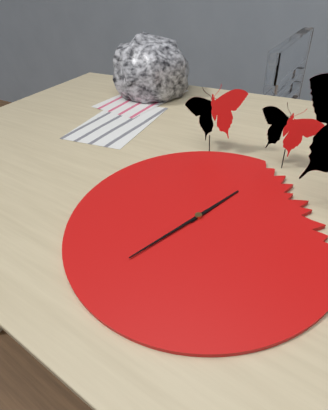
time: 12:33
